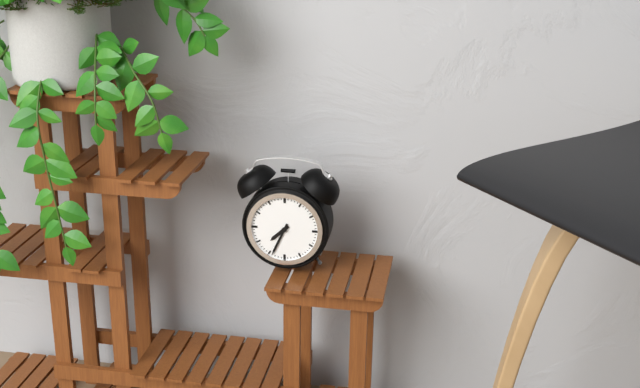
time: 7:34
